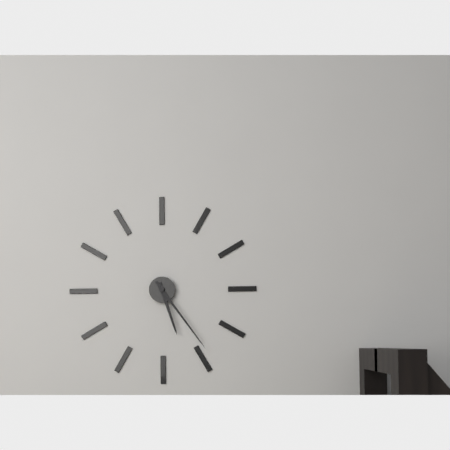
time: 5:24
